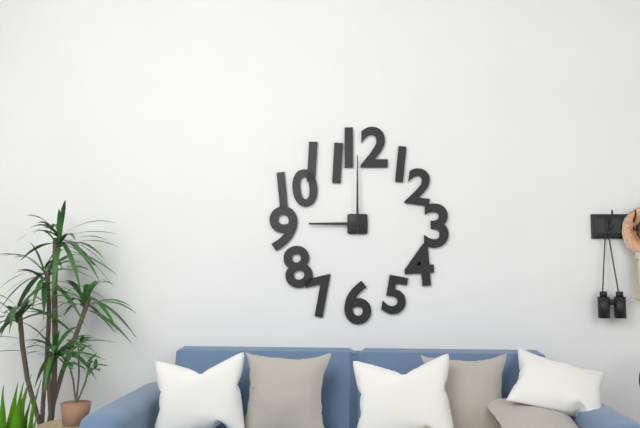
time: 9:00
